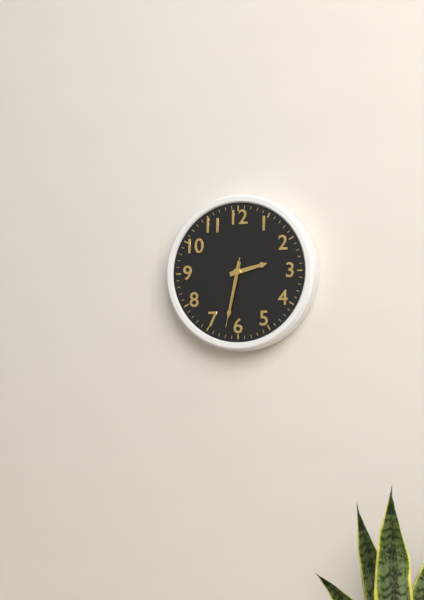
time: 2:32:32
